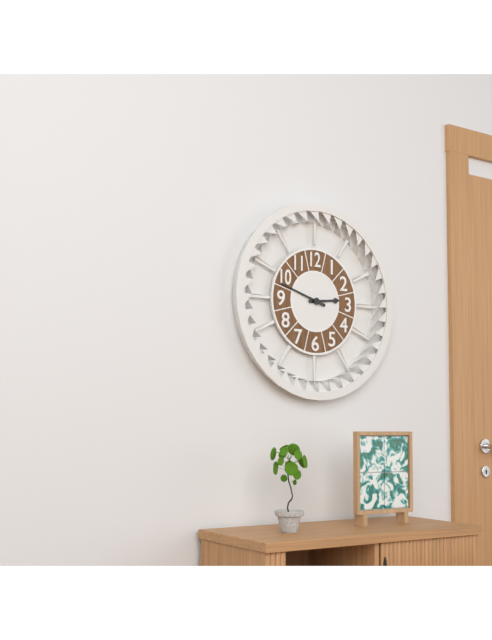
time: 2:48
